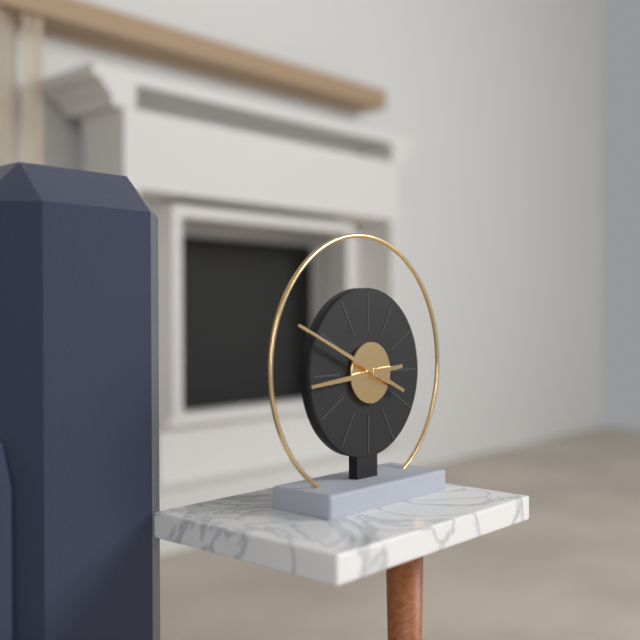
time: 8:49
